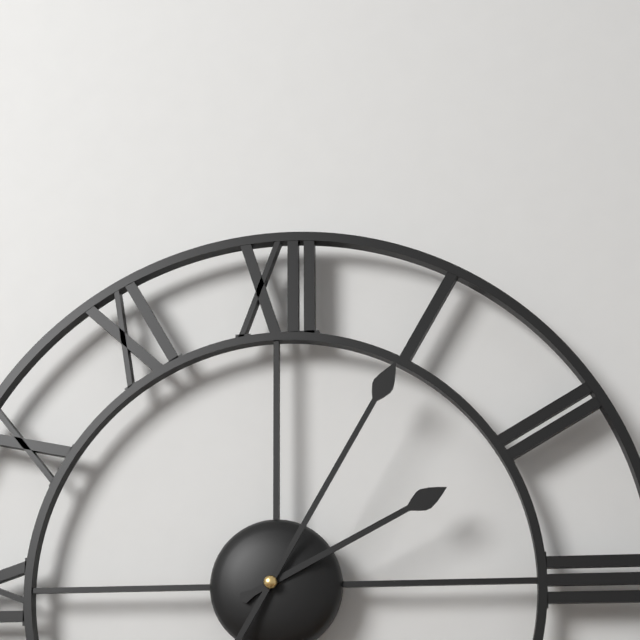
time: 2:05
